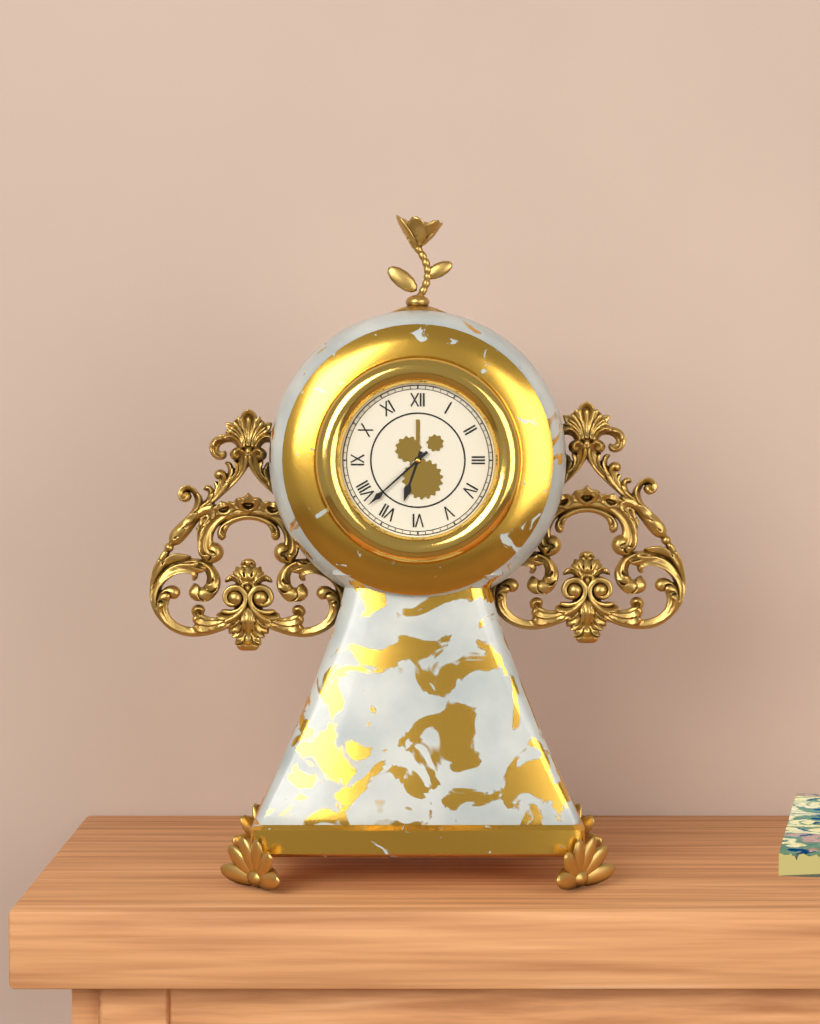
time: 6:38
